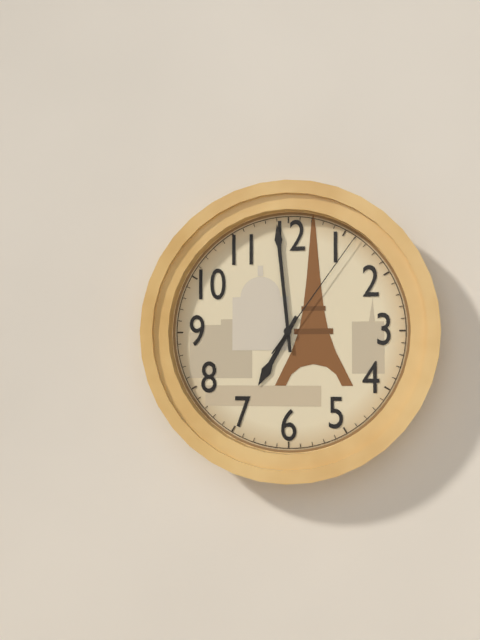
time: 6:59:06
